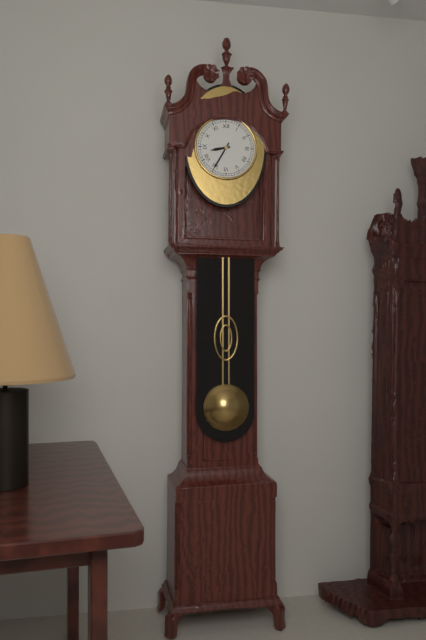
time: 8:35
